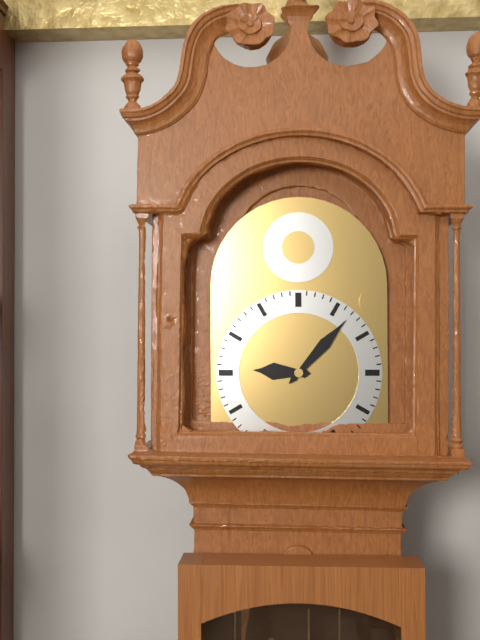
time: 9:07
